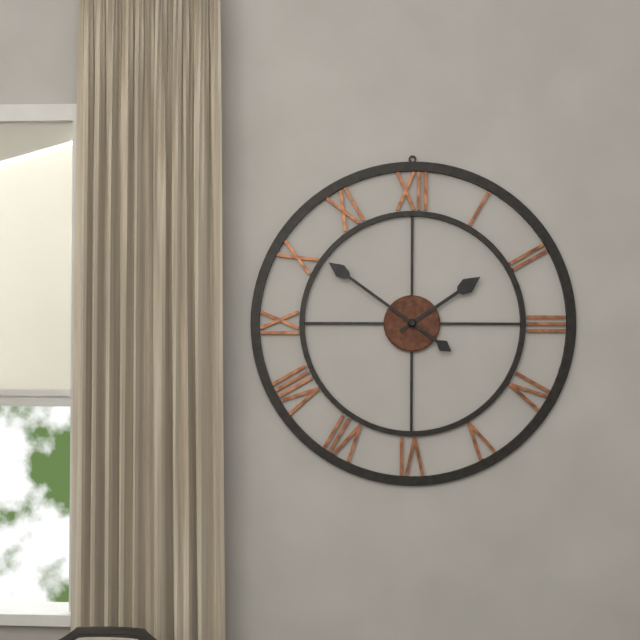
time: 1:51
